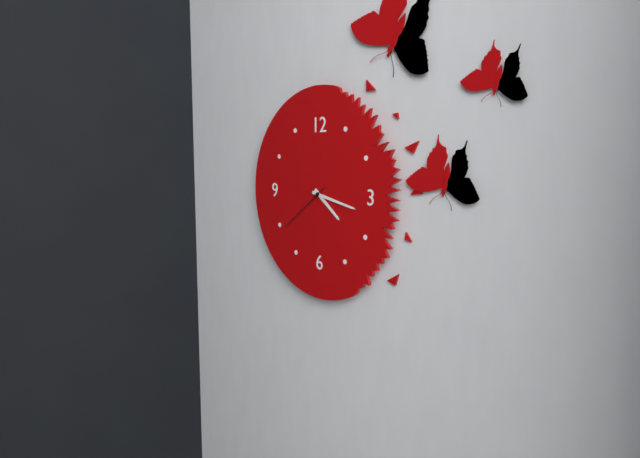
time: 4:17:39
